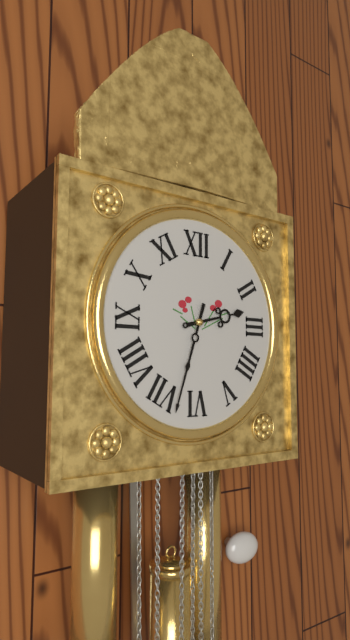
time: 2:33
